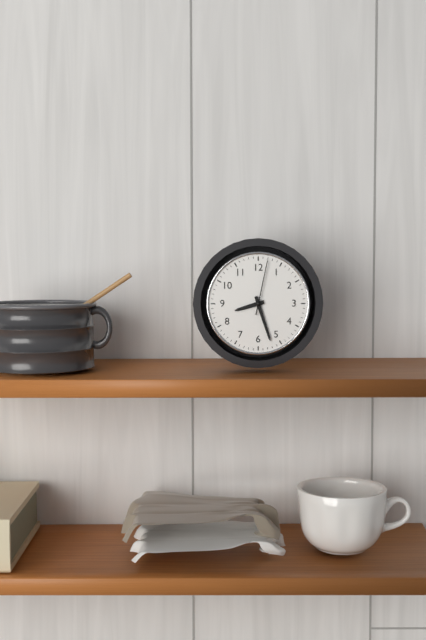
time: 8:27:02
